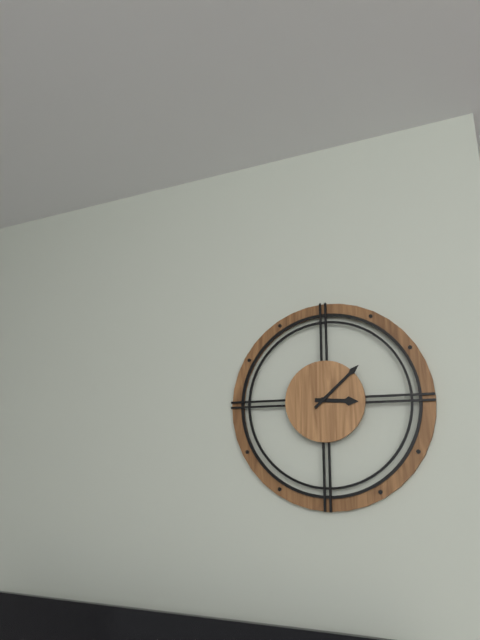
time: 3:08
